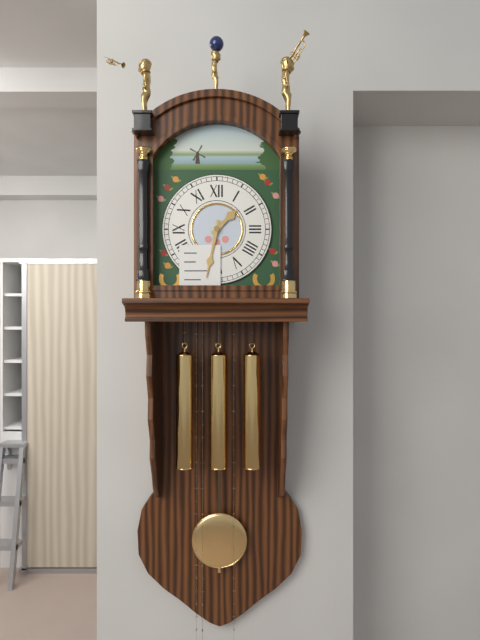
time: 1:32
